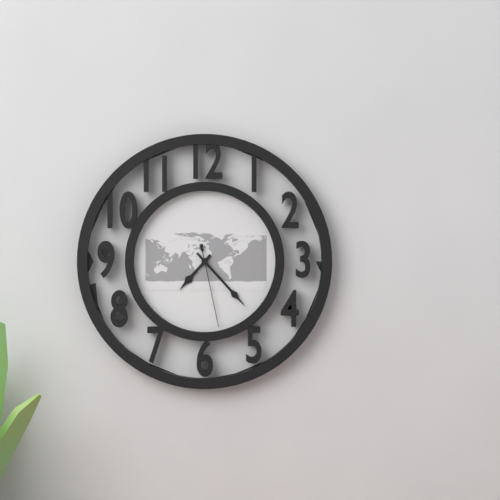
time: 7:23:28
